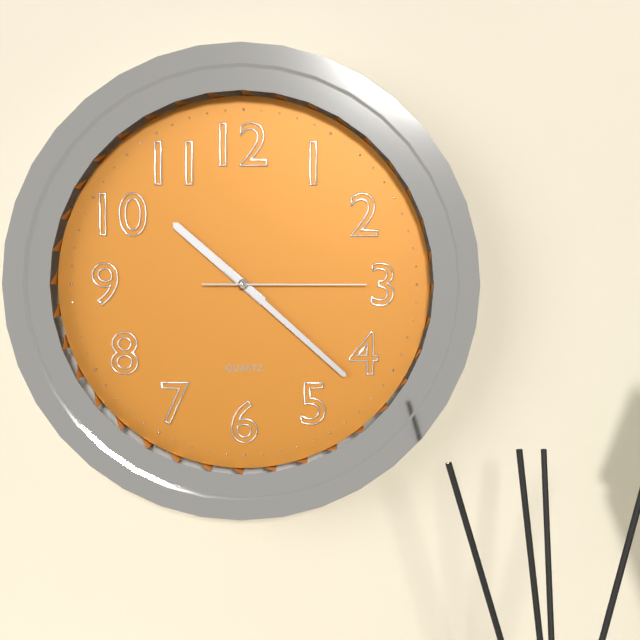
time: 10:22:15
